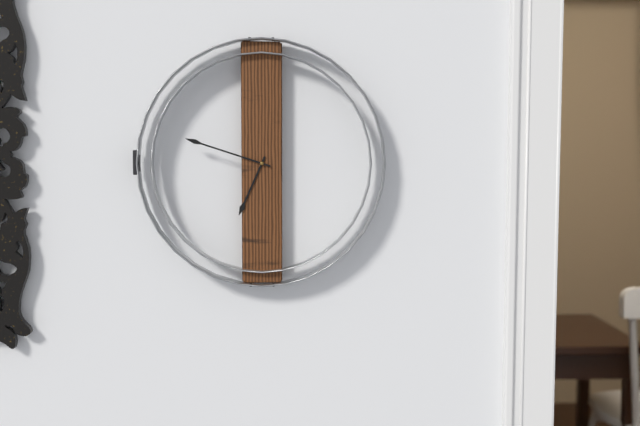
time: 6:48
